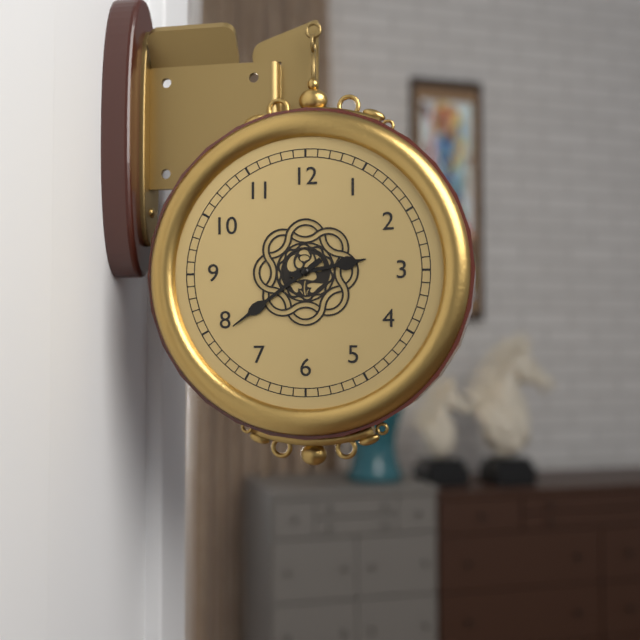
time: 2:39
